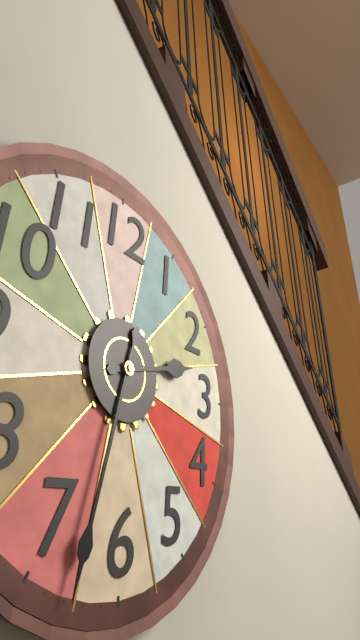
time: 2:33
